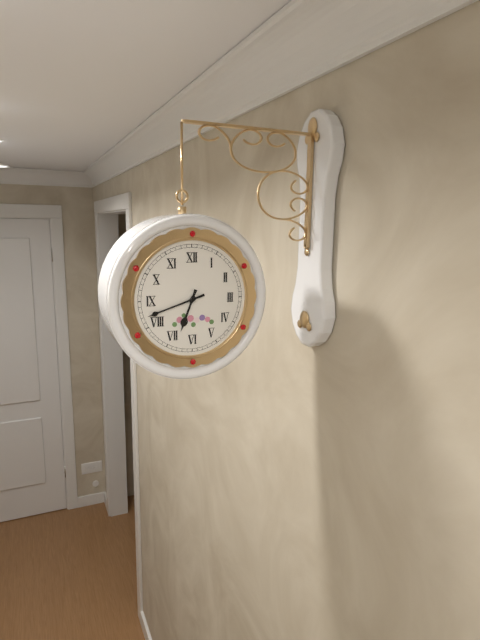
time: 6:42
